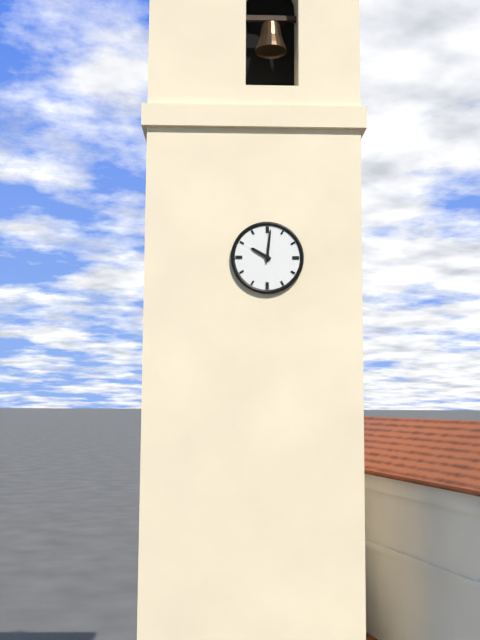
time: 10:01
